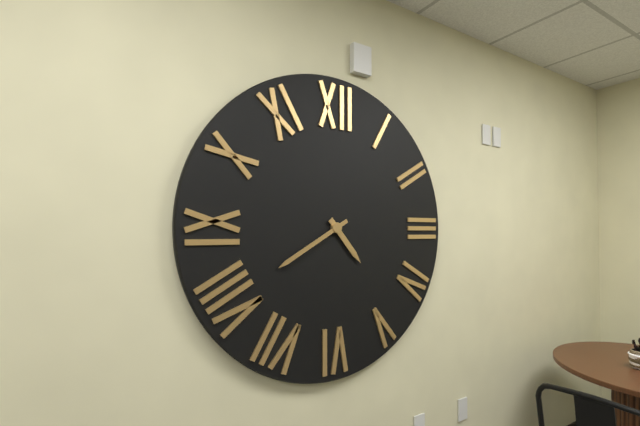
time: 4:40
